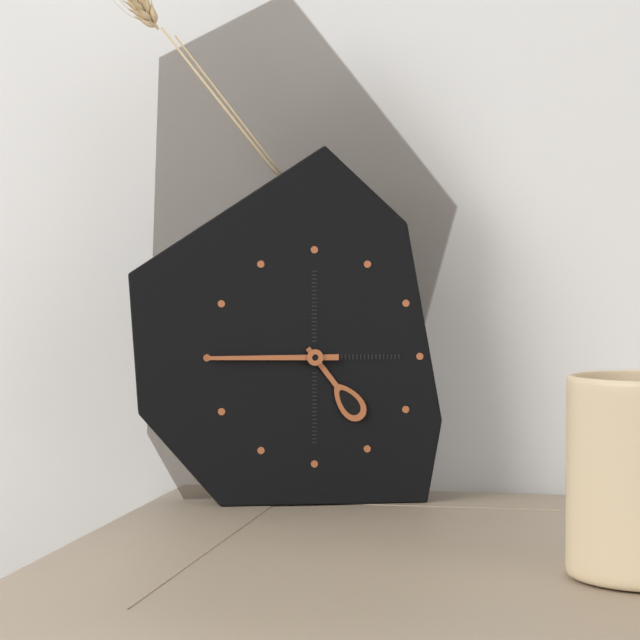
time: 4:45
